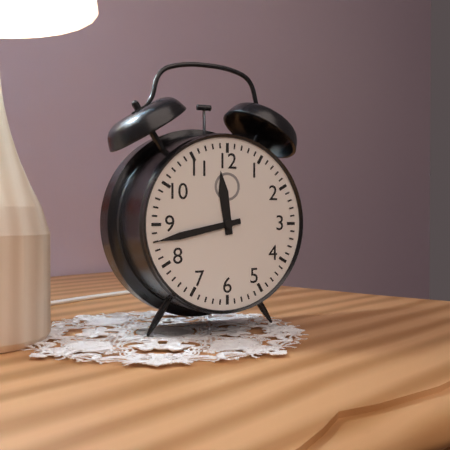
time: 11:43
